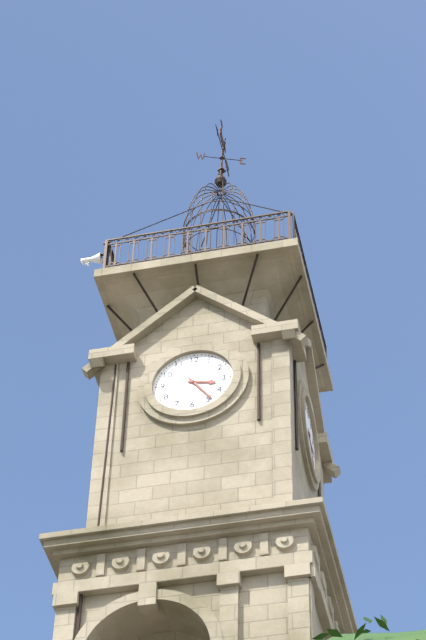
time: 3:24
